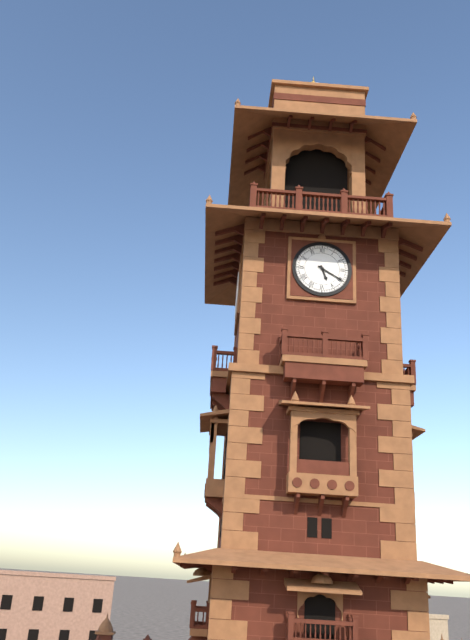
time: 5:20
